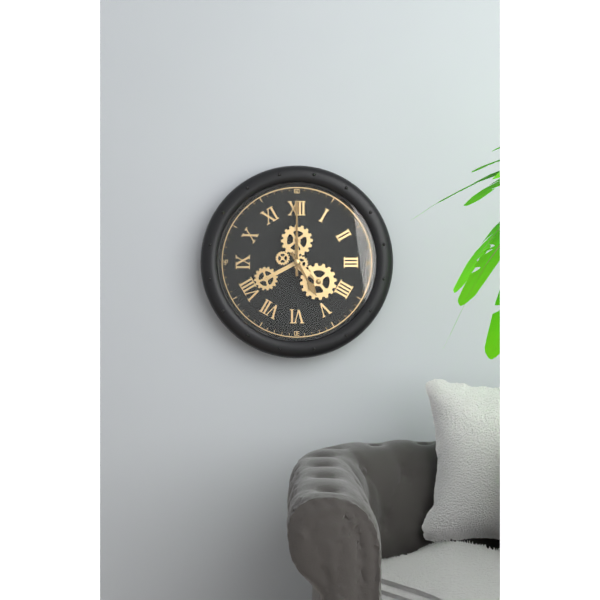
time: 5:00
